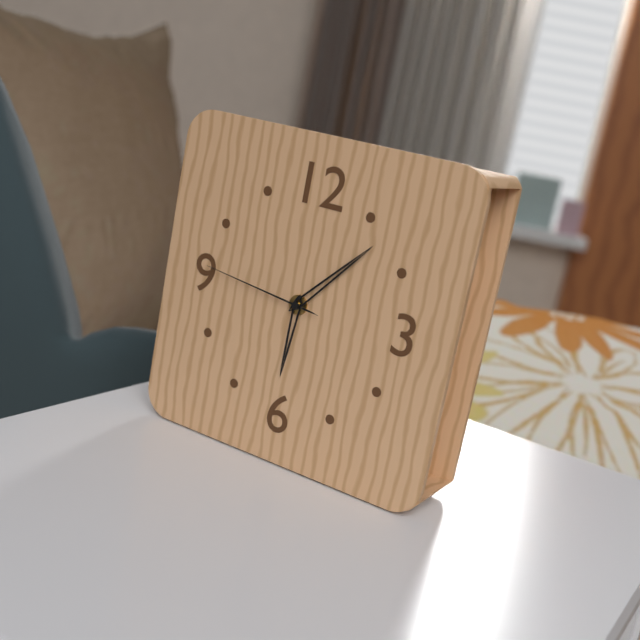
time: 6:07:46
